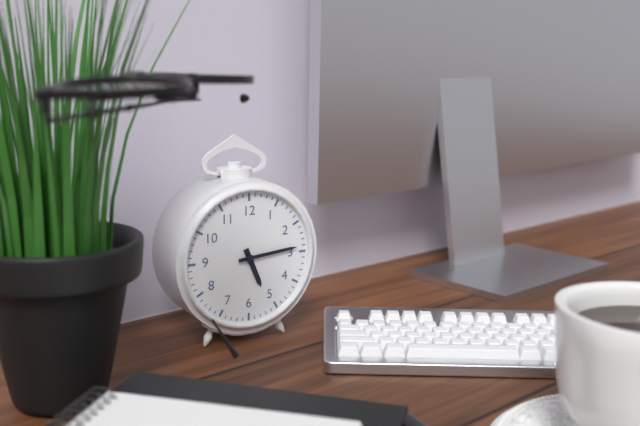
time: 5:14
